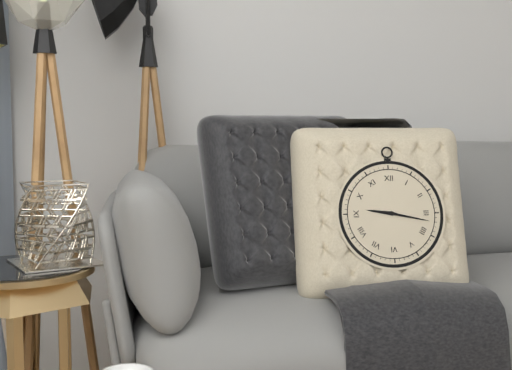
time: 9:17
